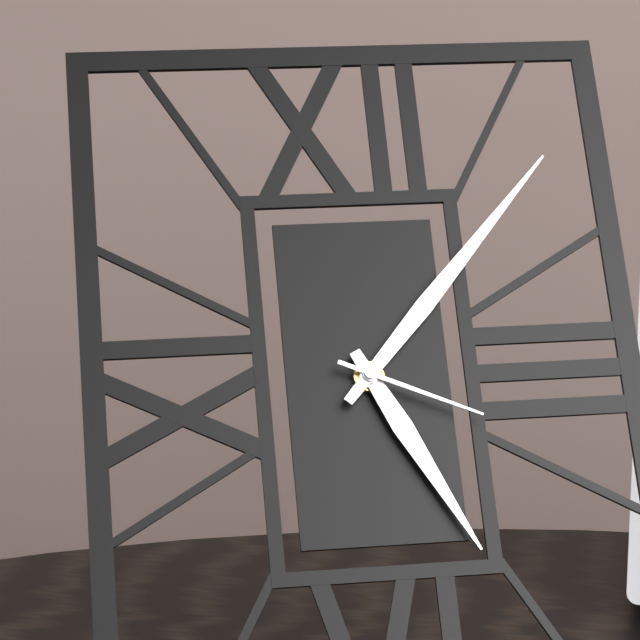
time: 5:07:19
